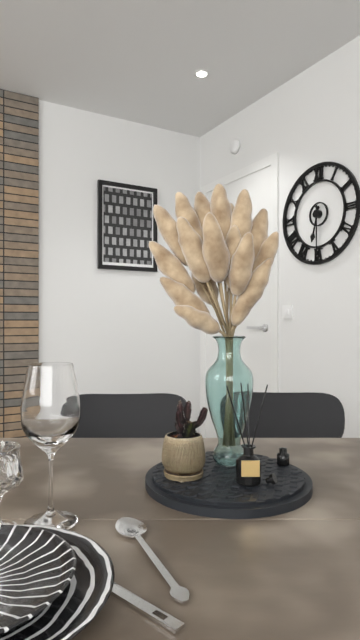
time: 6:30
